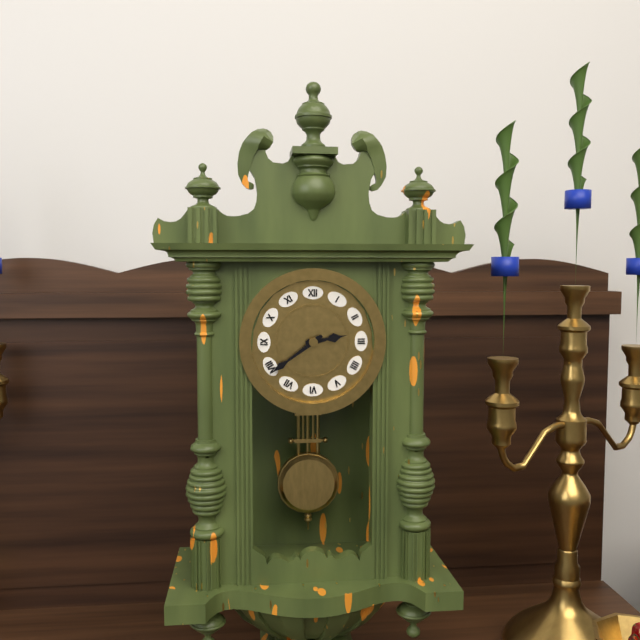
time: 2:39
